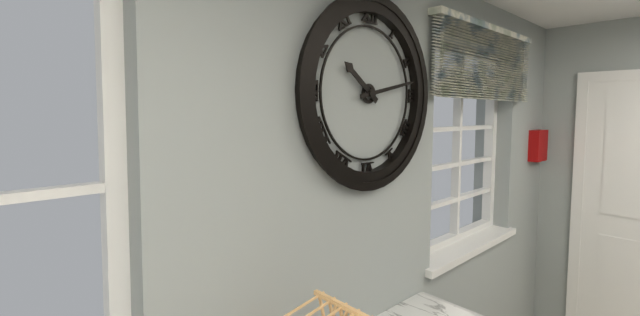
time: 10:13
